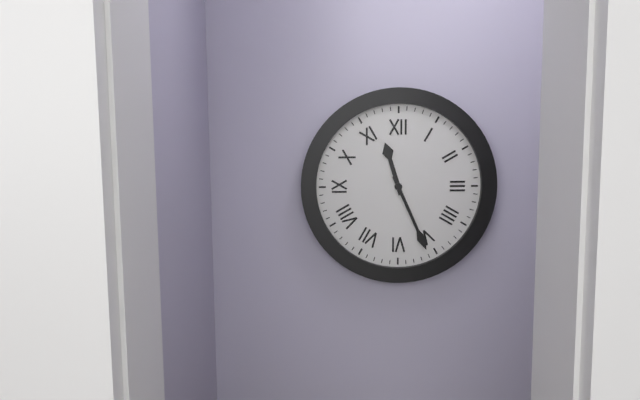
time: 11:26
